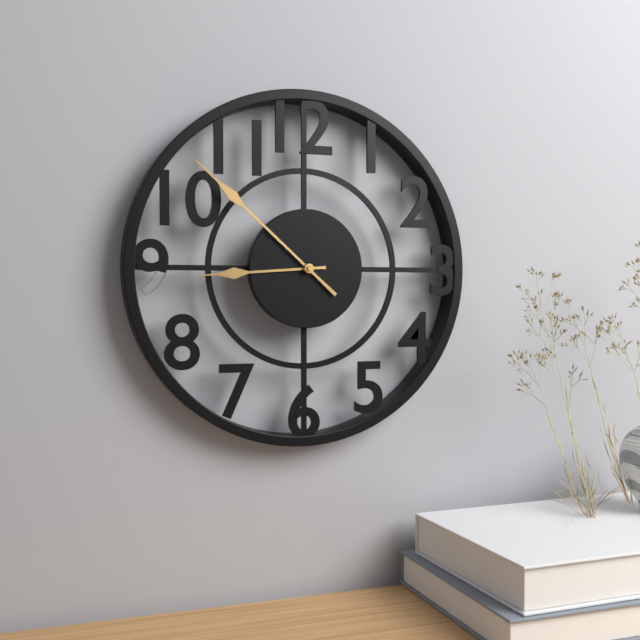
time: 8:52
